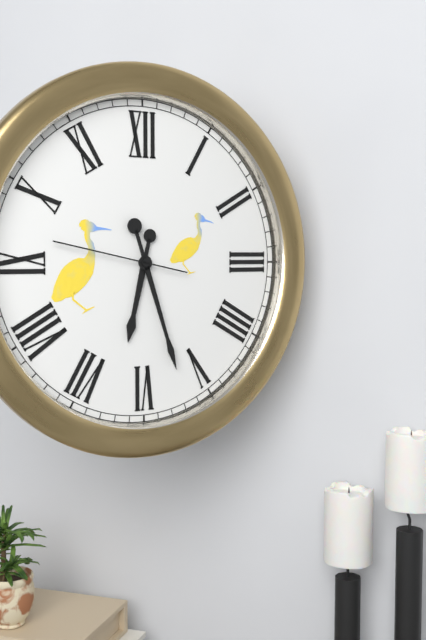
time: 6:27:47
